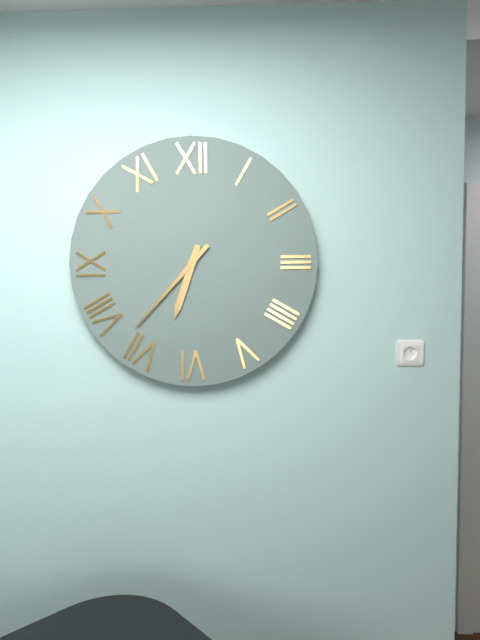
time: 6:37
